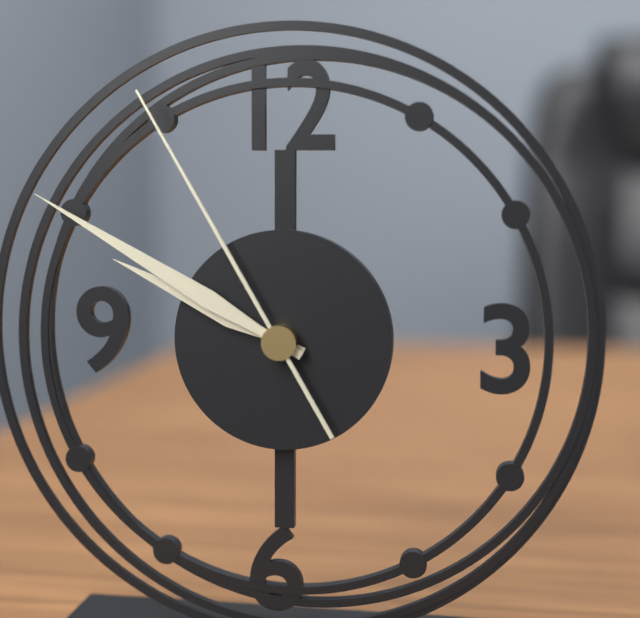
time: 9:50:55
